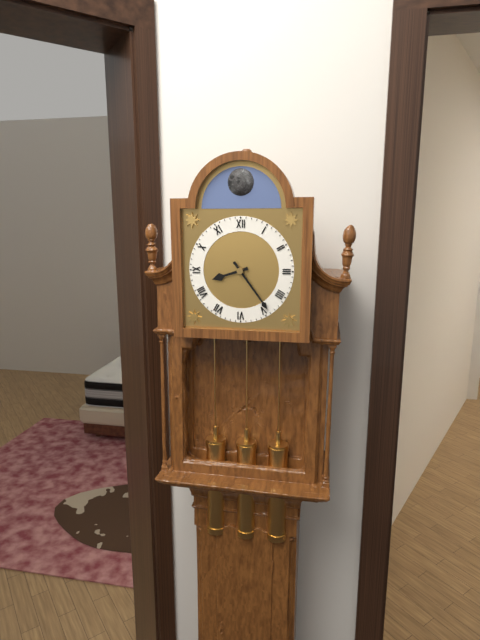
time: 8:24
